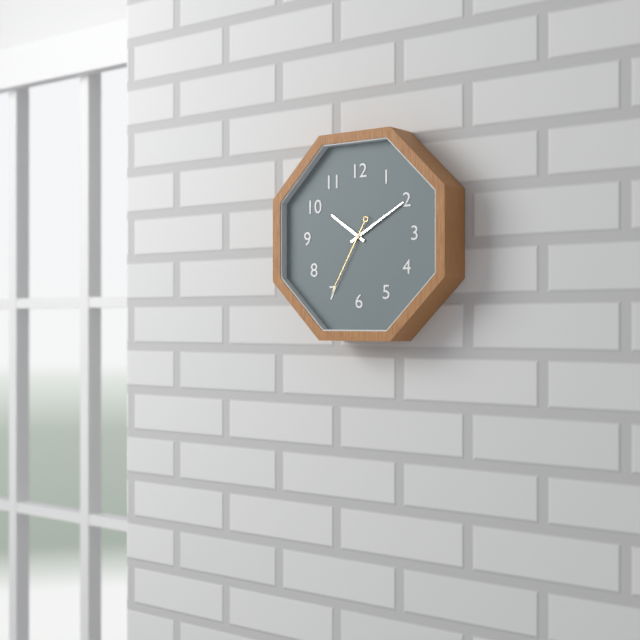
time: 10:10:35
